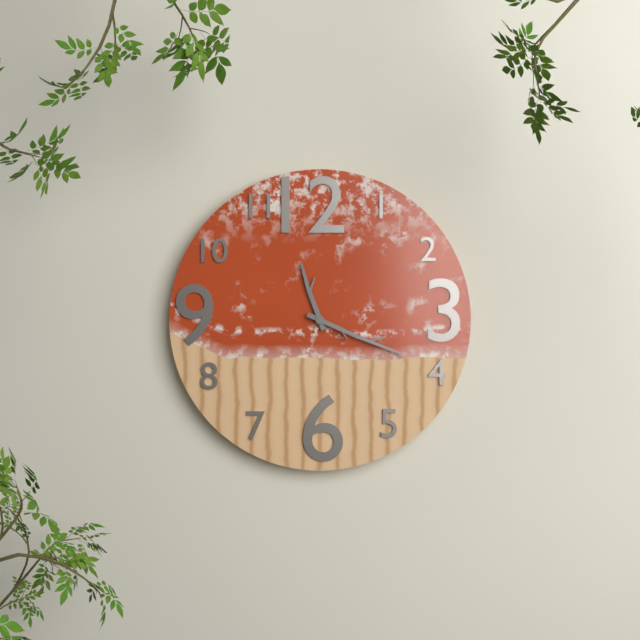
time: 11:19
